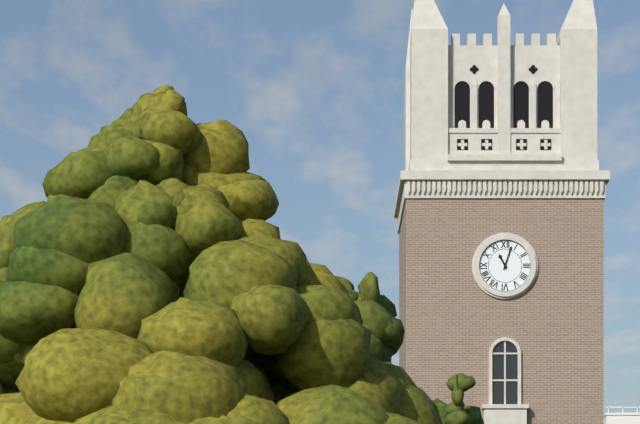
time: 11:03
